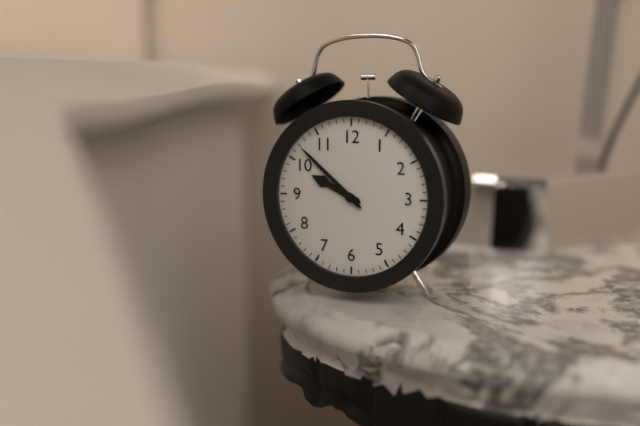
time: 9:52
